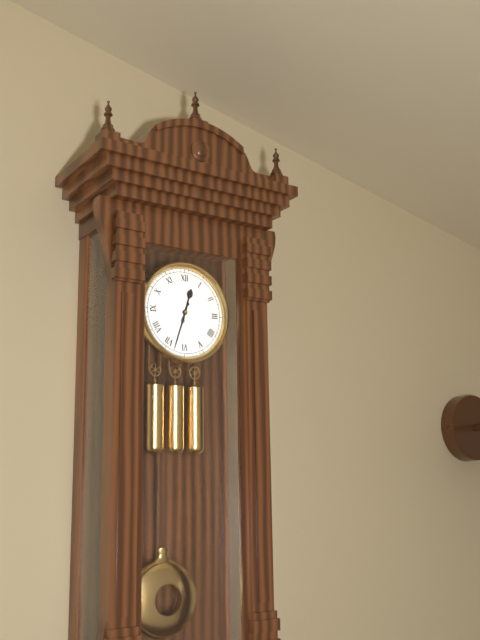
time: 12:33
